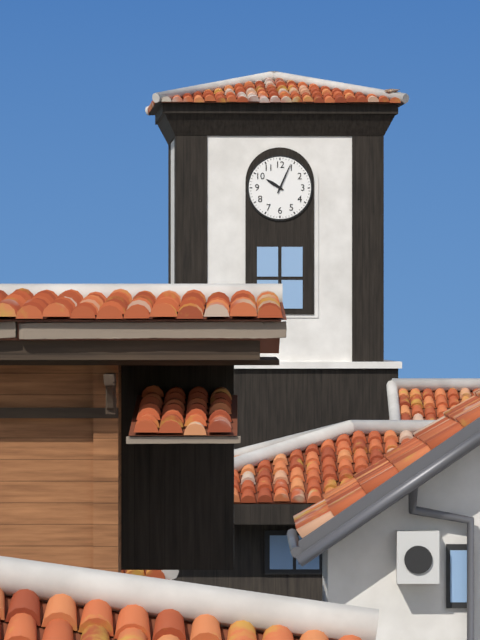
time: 10:04
